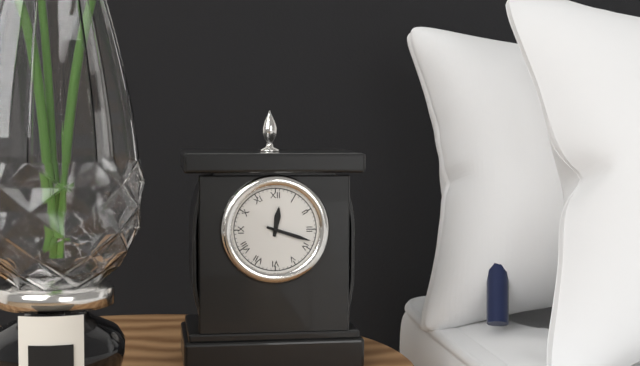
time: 12:18
